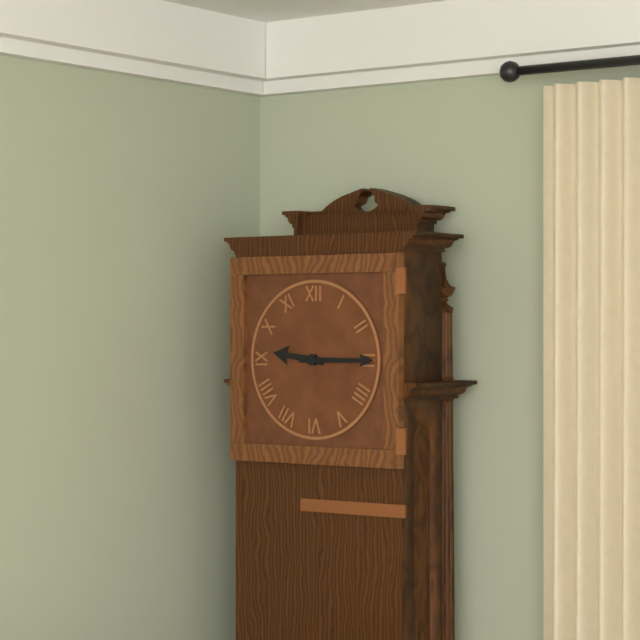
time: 9:15
